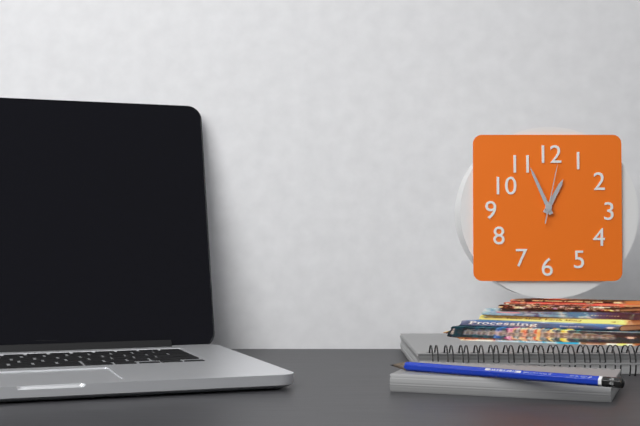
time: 12:56:02
